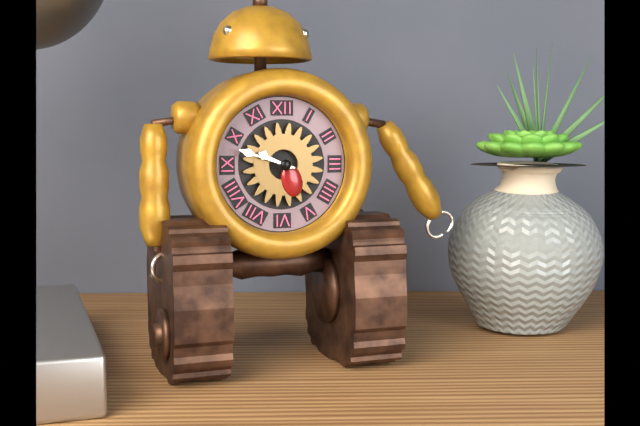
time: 9:48
